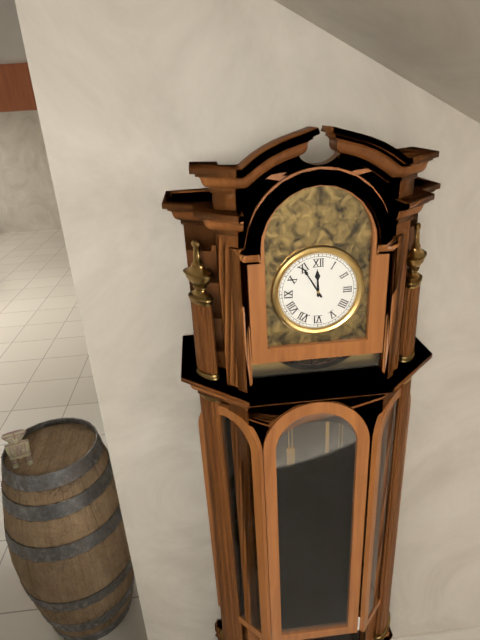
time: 11:55
